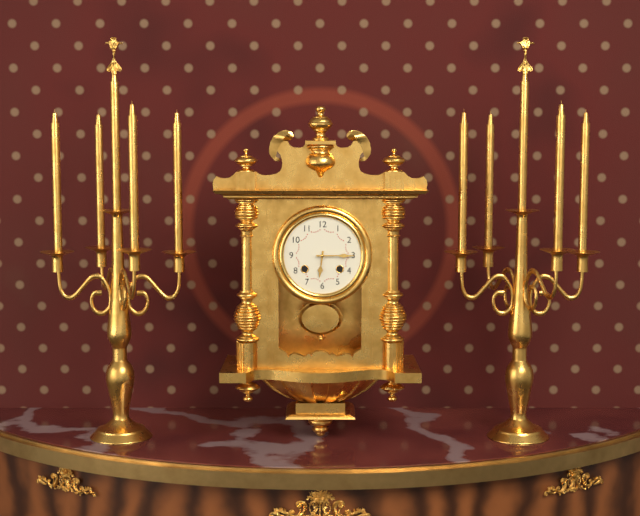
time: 6:15
